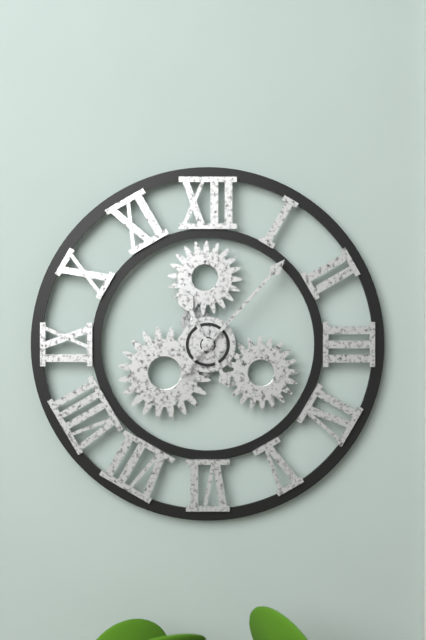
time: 11:07
